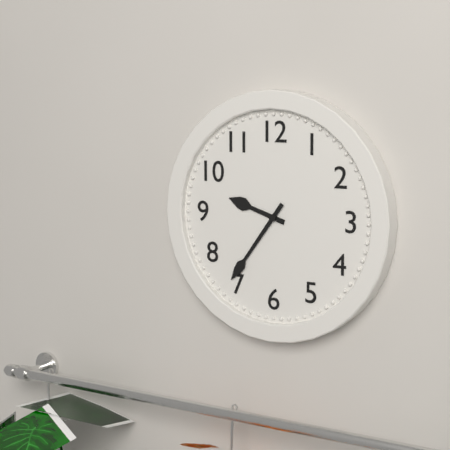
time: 9:36
